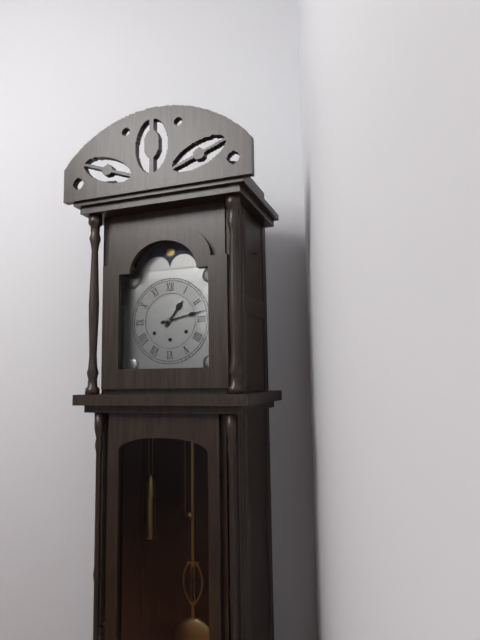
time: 1:13
